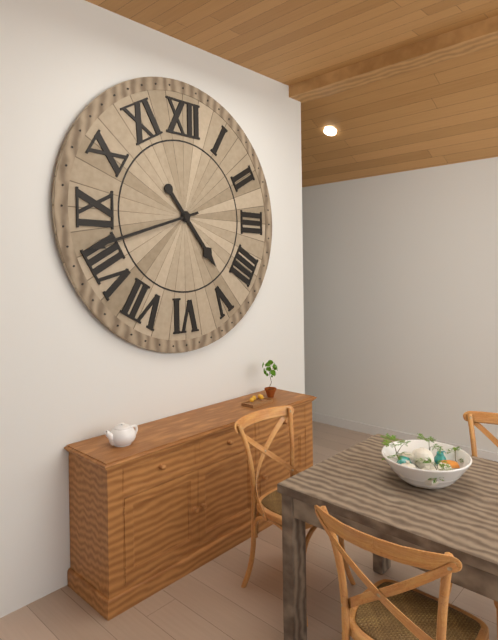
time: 4:42
